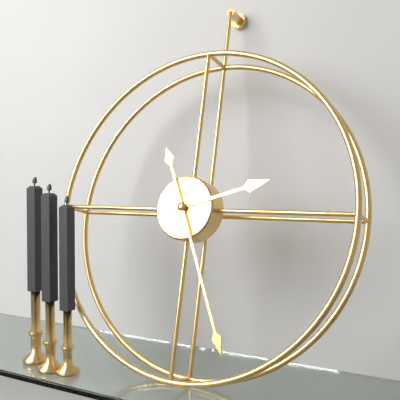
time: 2:26
